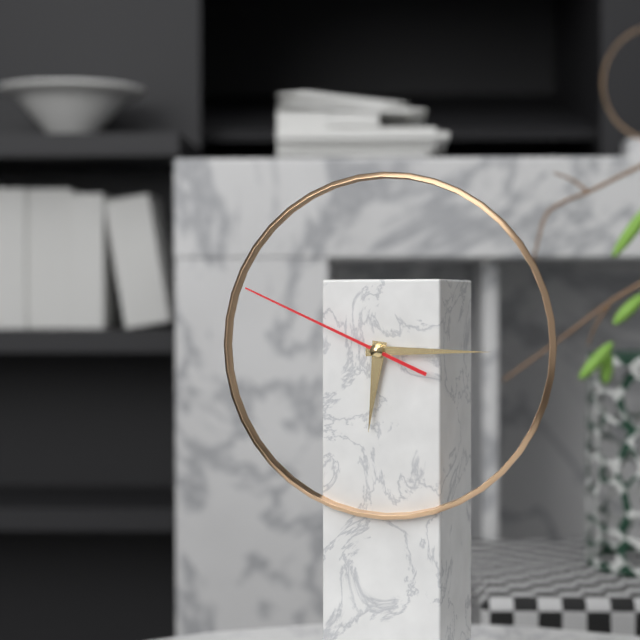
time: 6:15:49
